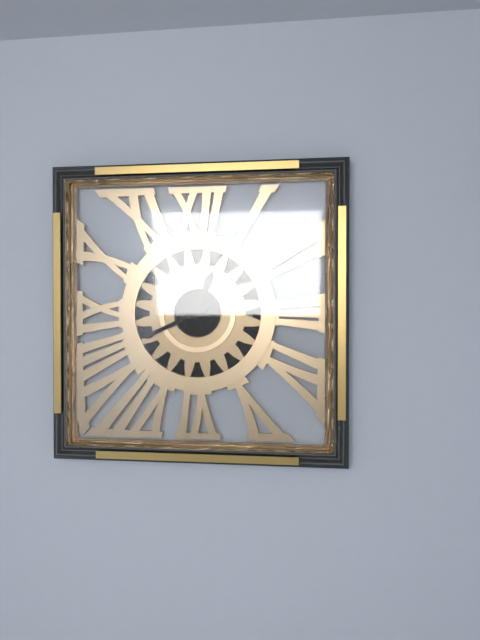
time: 12:41
